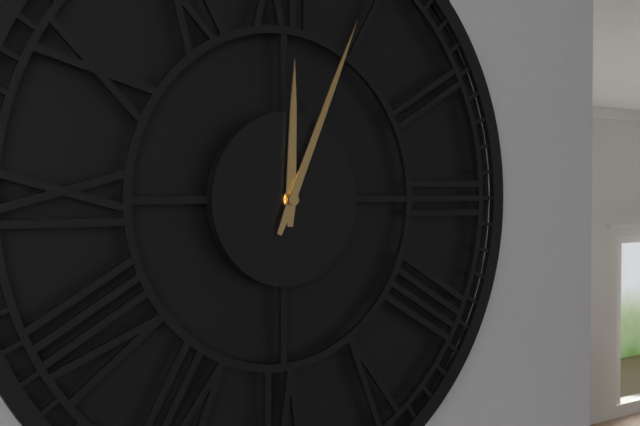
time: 12:04
